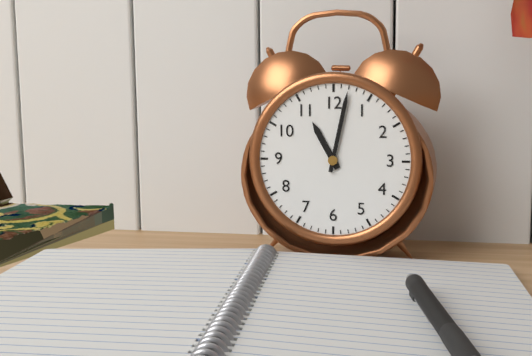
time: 11:02
